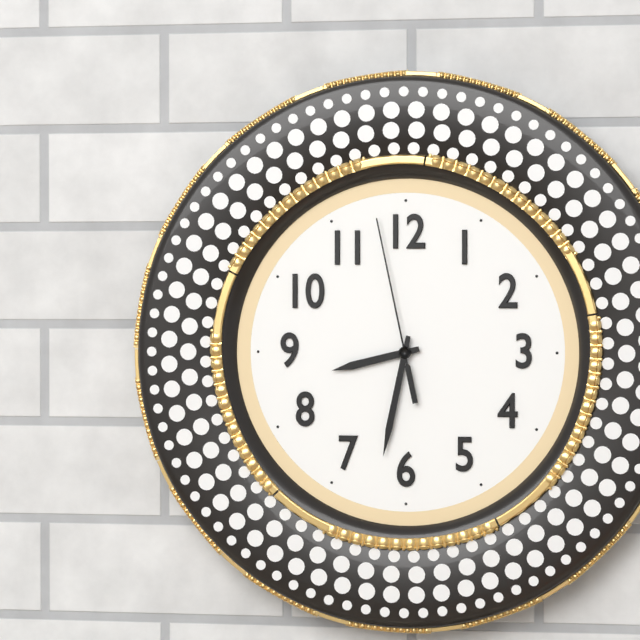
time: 8:32:58
